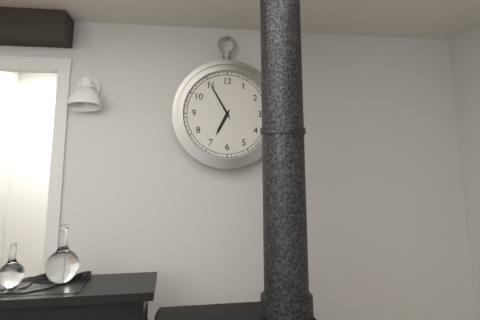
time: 6:55
